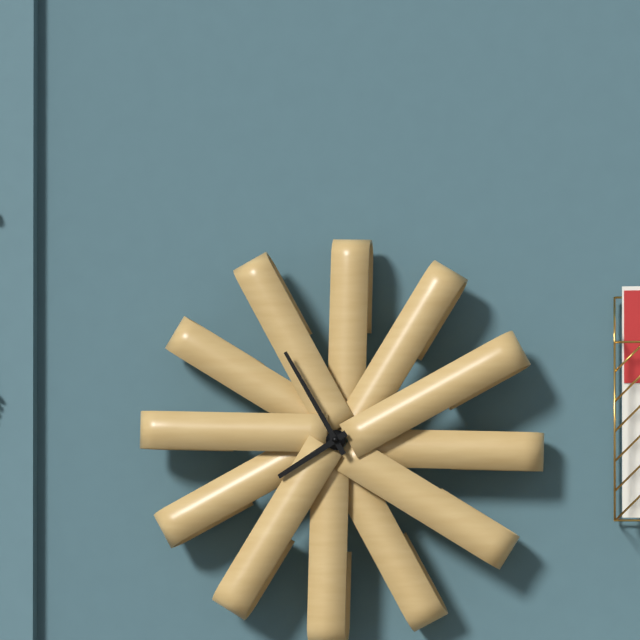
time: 7:55
